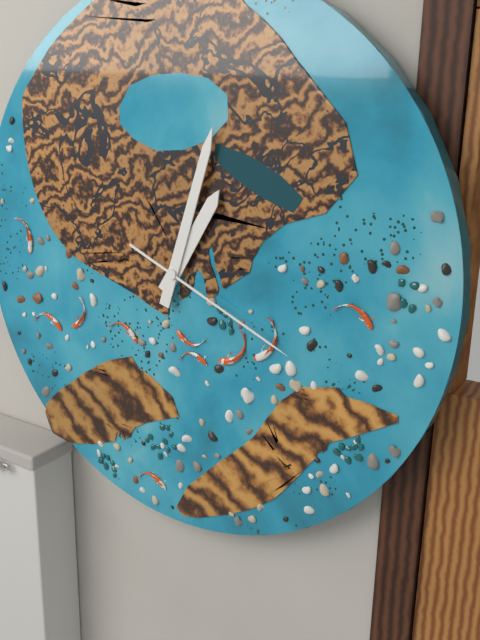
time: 1:03:19
